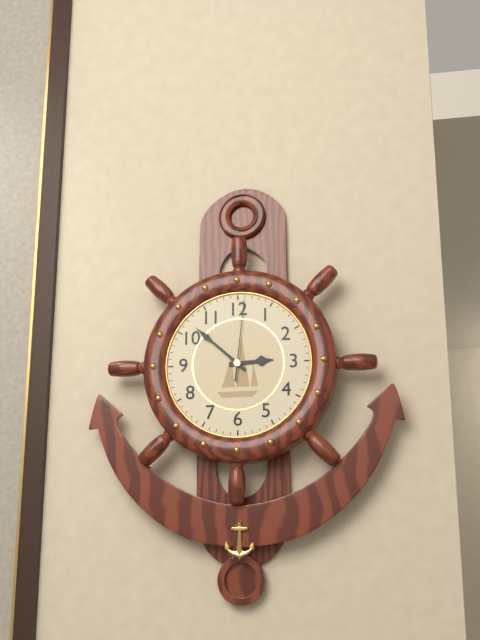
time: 2:52:01
